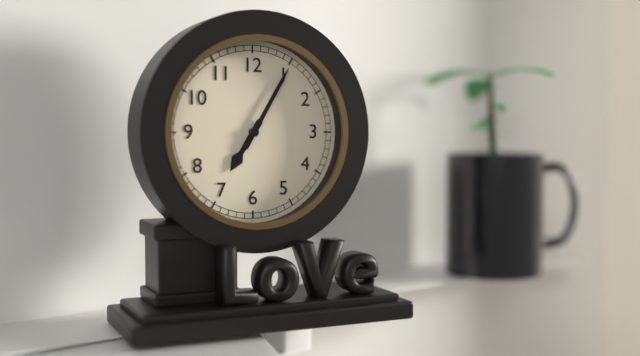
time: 7:05
